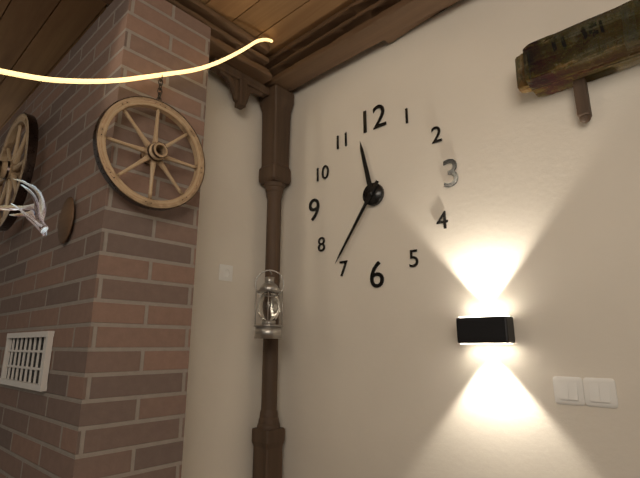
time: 11:36
